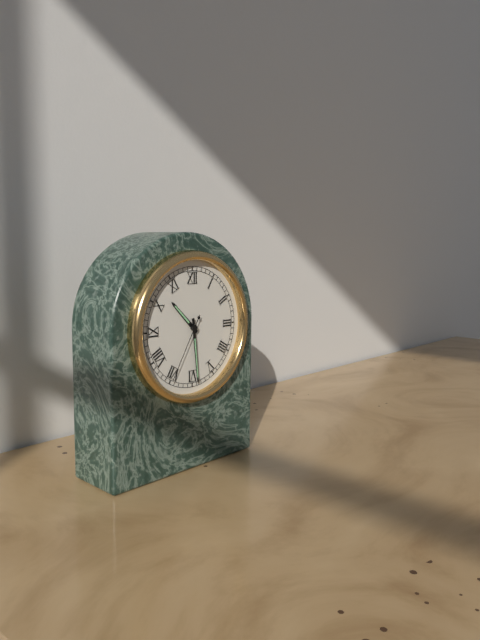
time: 10:29:35
